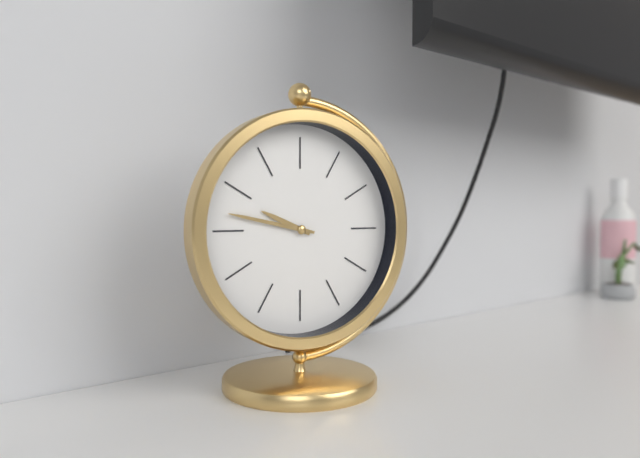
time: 9:47
